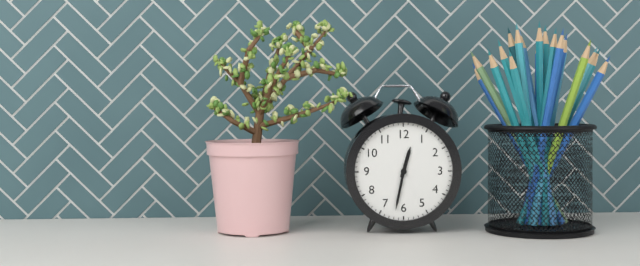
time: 12:32
